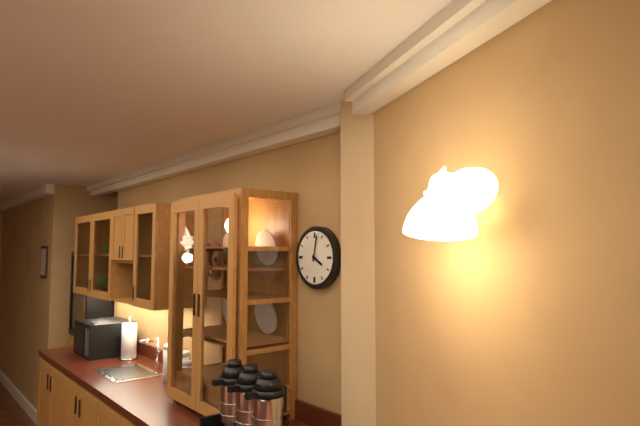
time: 4:02
